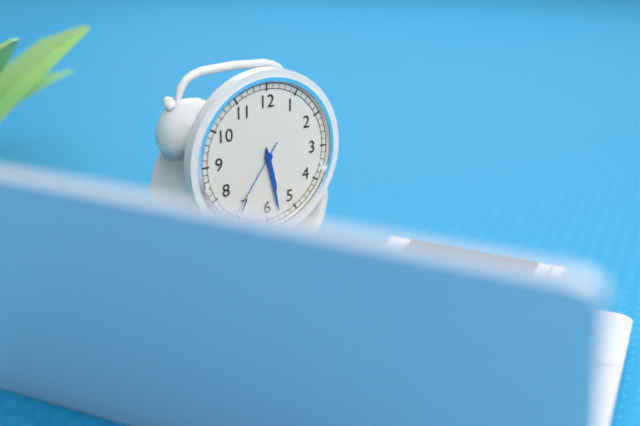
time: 5:28:36
